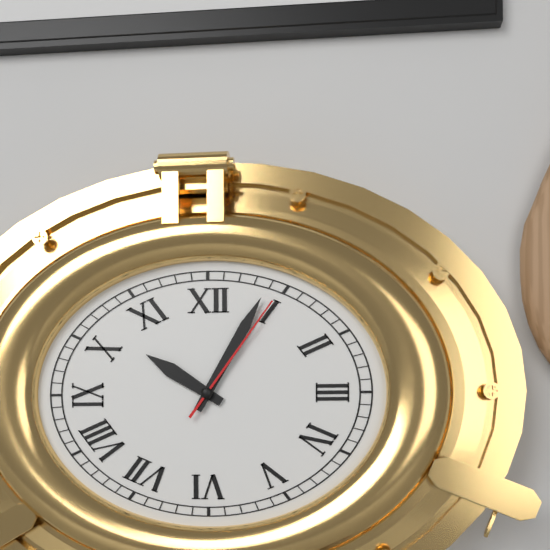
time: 10:05:06
